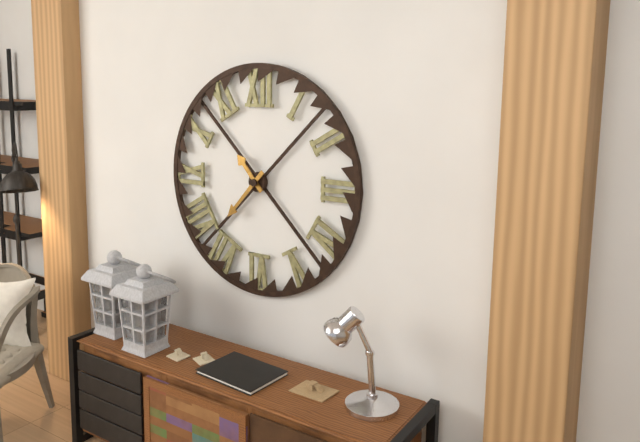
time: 10:37
